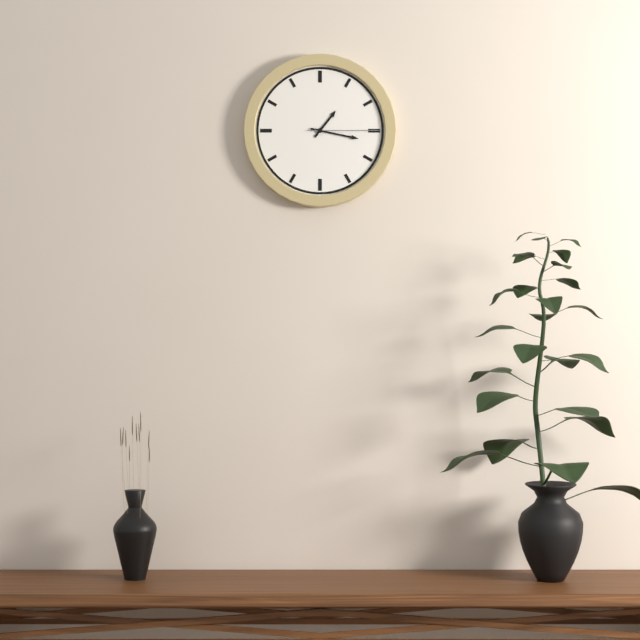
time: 1:17:15
